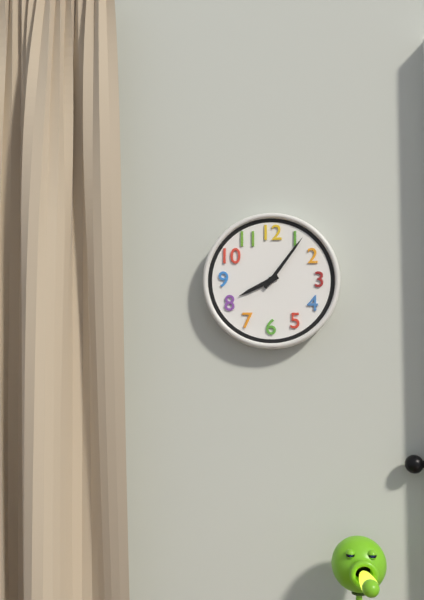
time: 8:06
